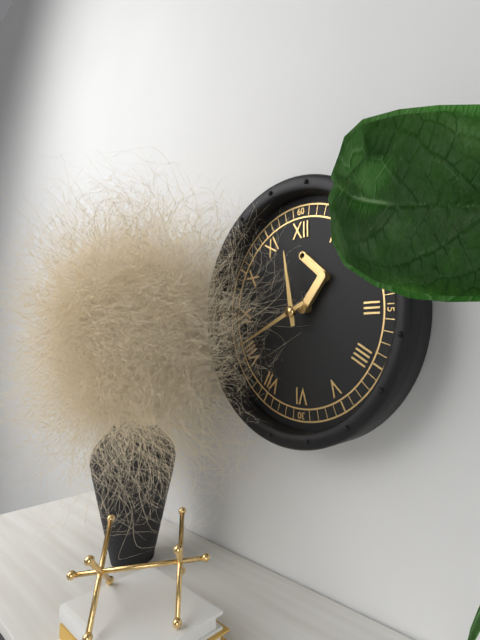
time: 11:41
